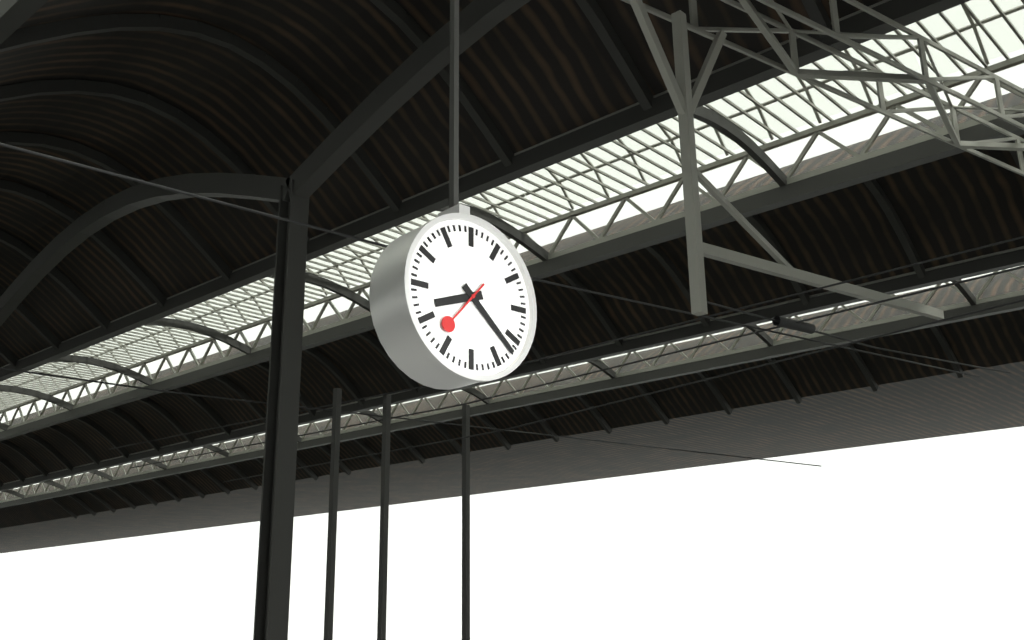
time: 8:22
